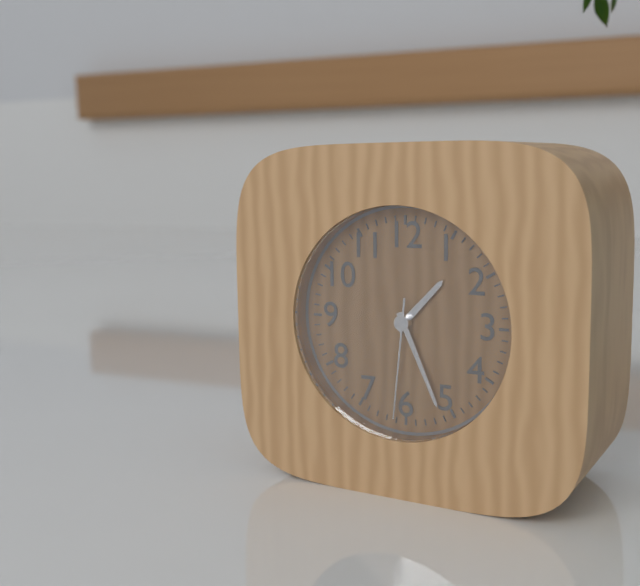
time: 1:26:31
